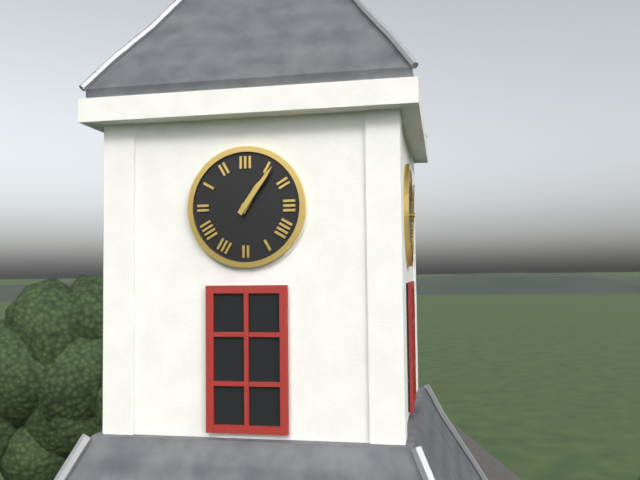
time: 1:06
